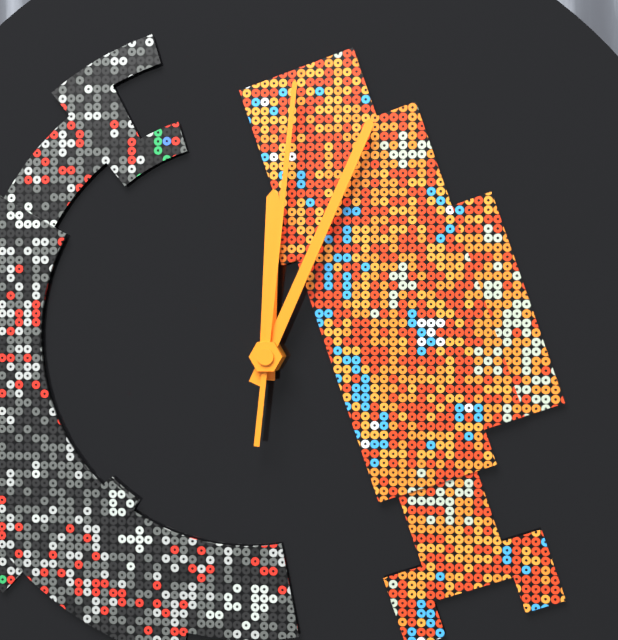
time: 12:04:01
